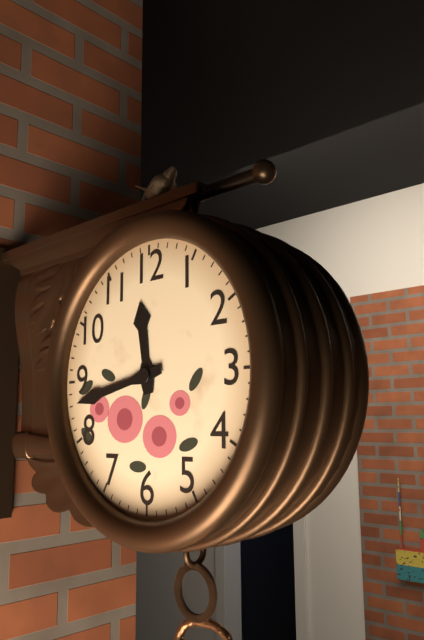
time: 11:43
